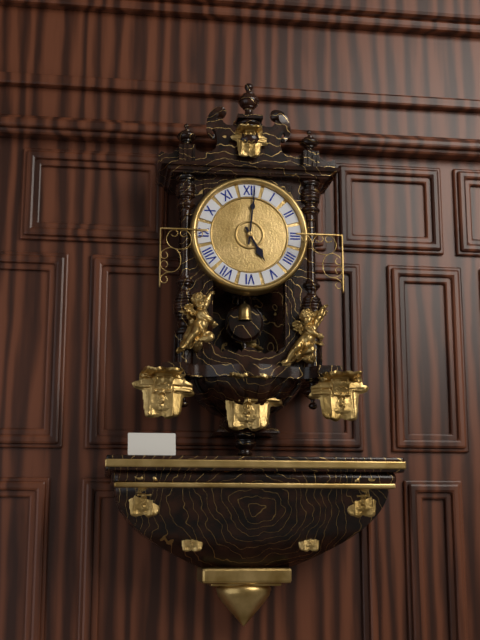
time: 5:01
